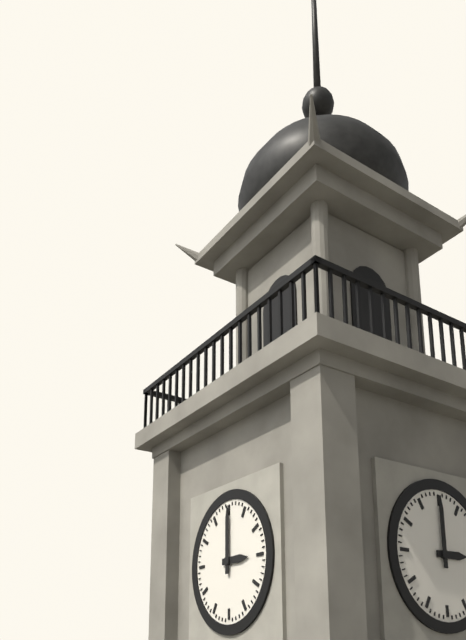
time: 3:00
